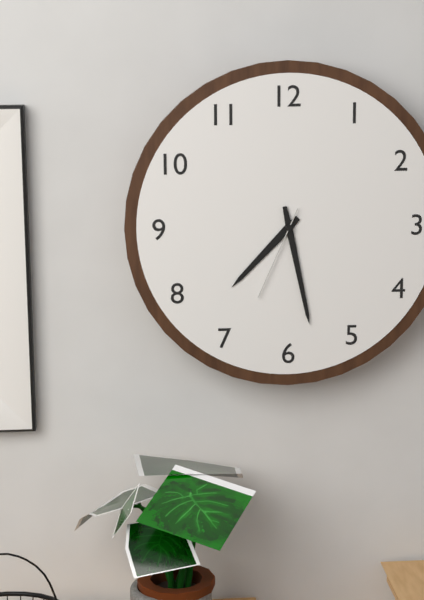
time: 7:28:34
